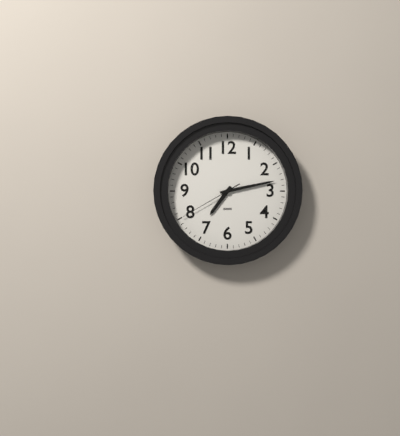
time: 7:13:40
